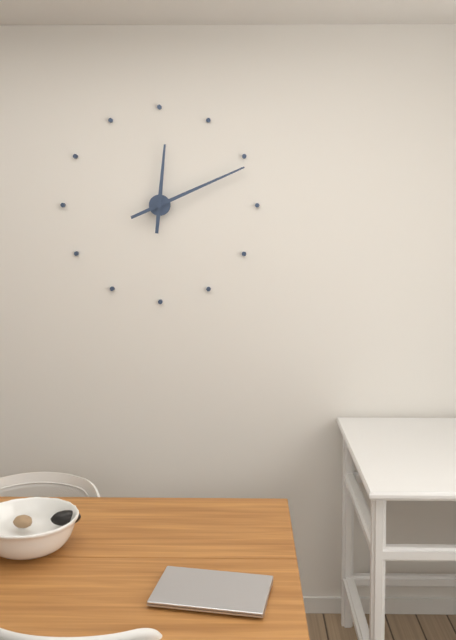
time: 12:11
